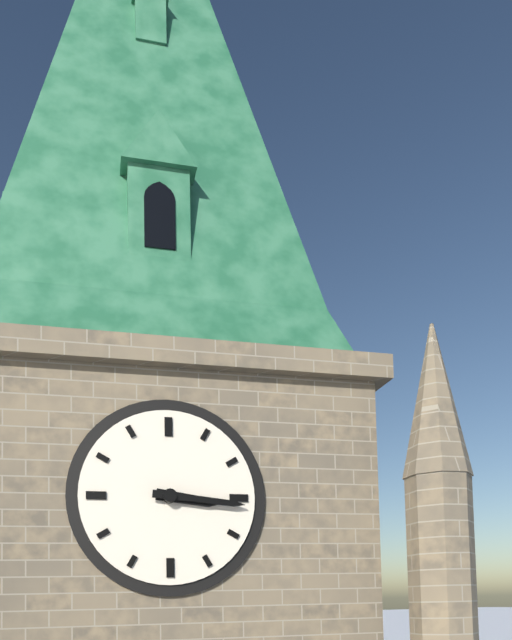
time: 3:16
